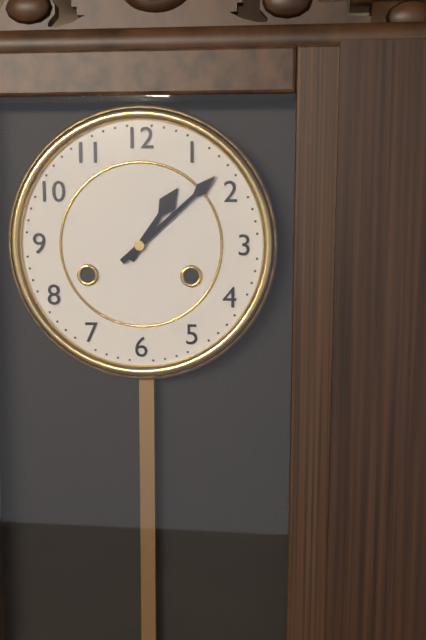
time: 1:08
